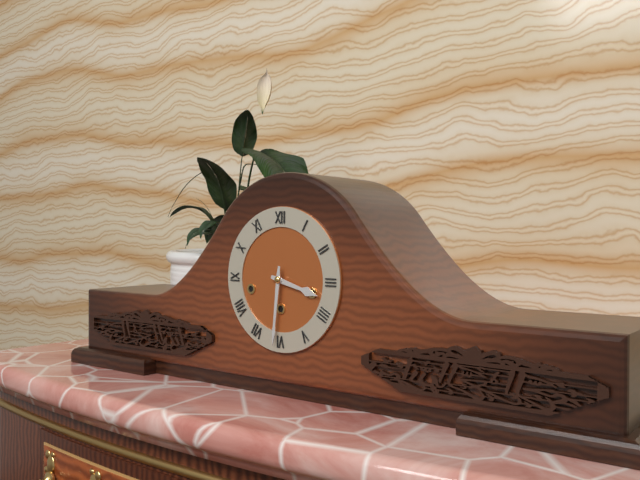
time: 3:31
